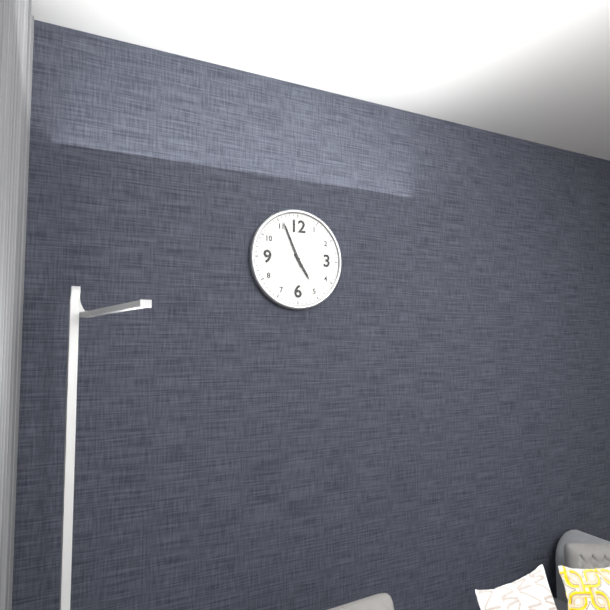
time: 4:56
